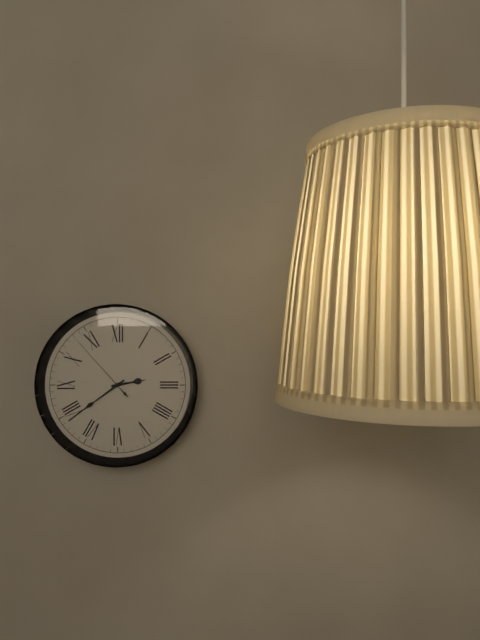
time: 2:39:53
